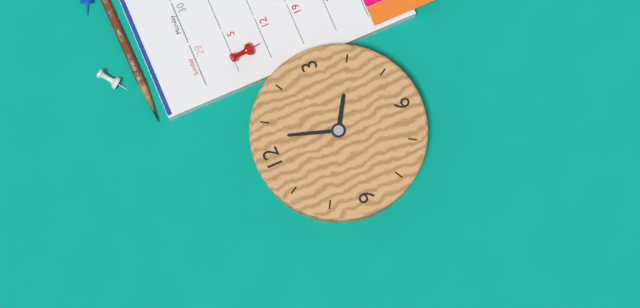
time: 4:03
